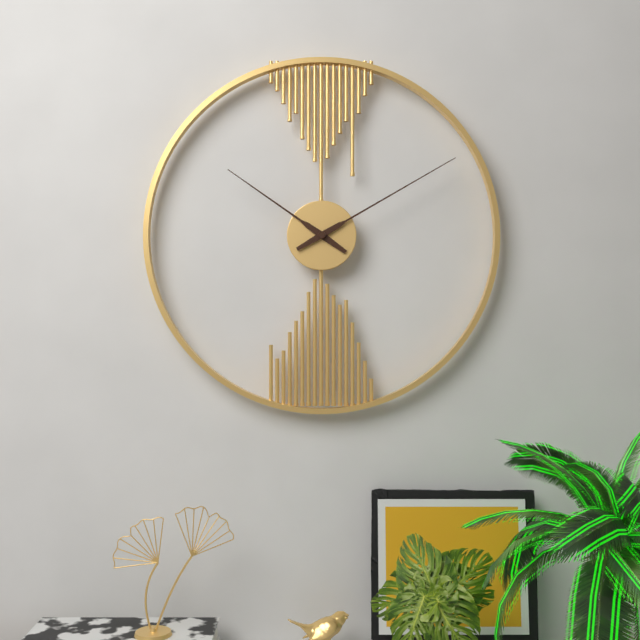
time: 10:10
